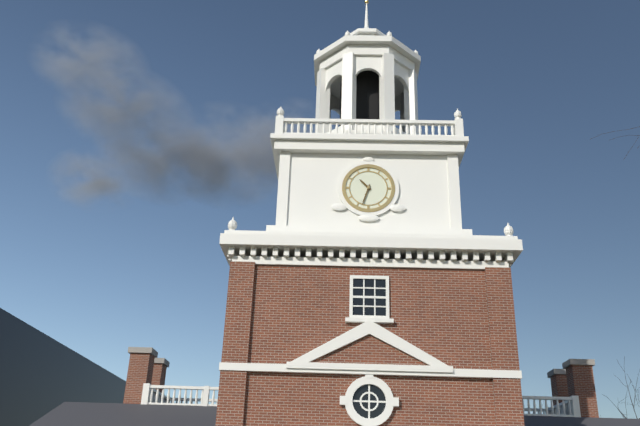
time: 10:33
